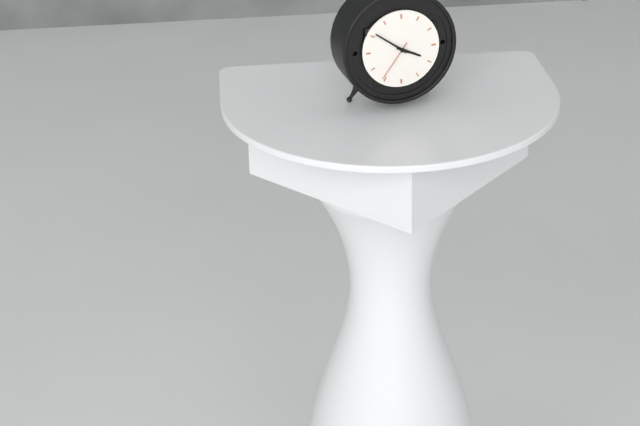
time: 3:51
